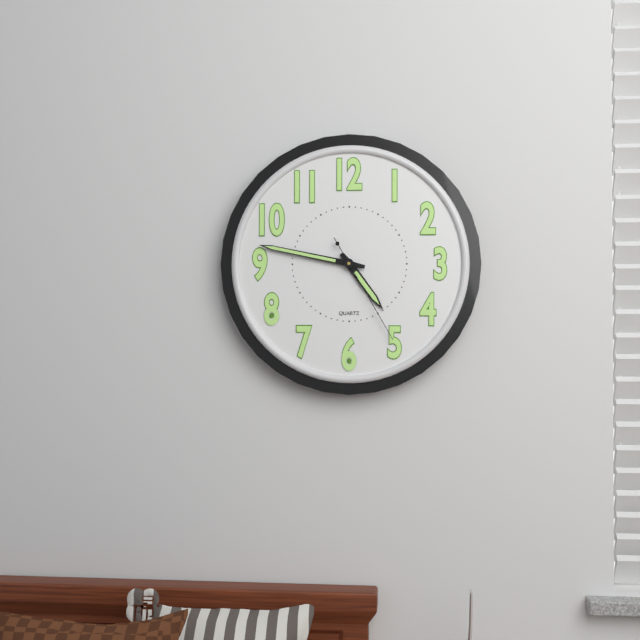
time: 4:47:25
